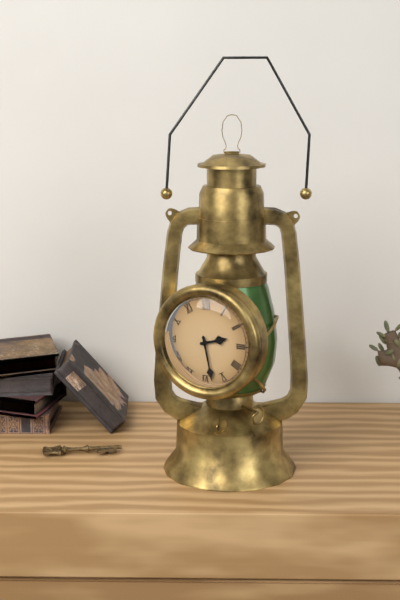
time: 2:28
